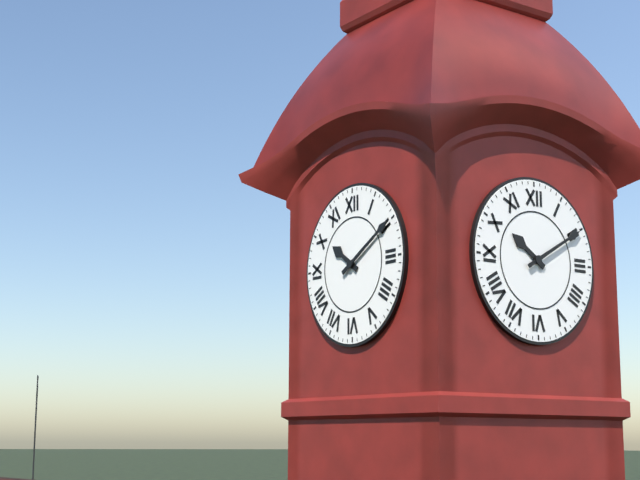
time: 10:10
